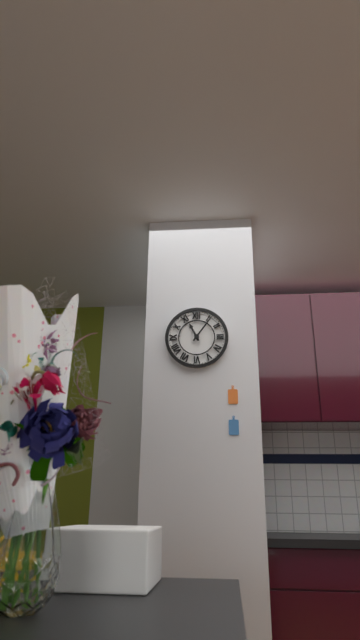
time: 11:06
